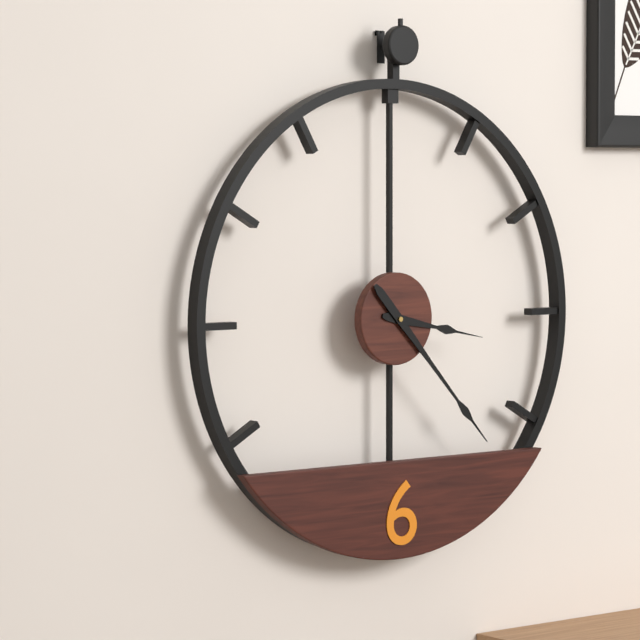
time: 3:23
